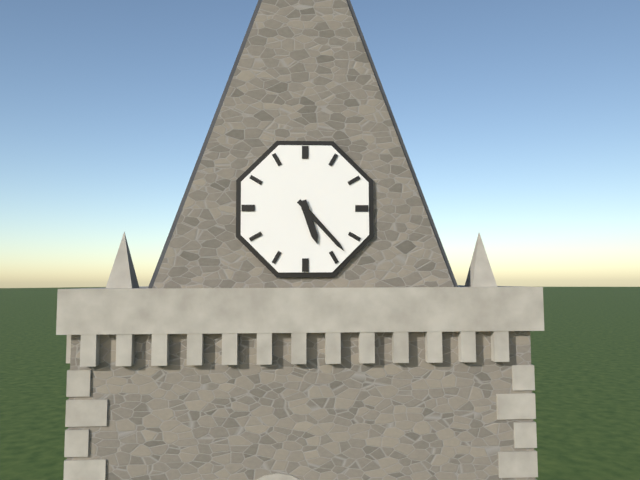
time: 5:23
